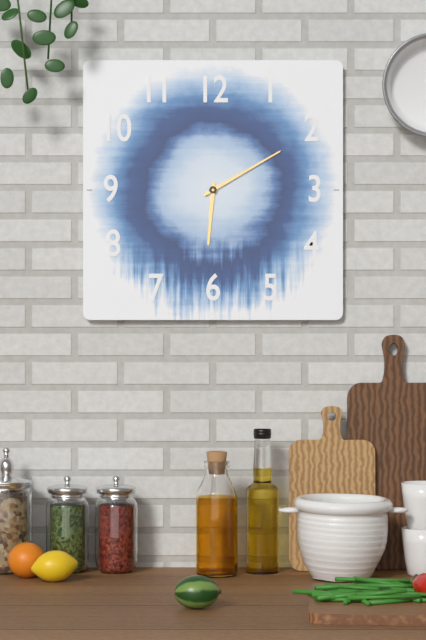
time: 6:10
